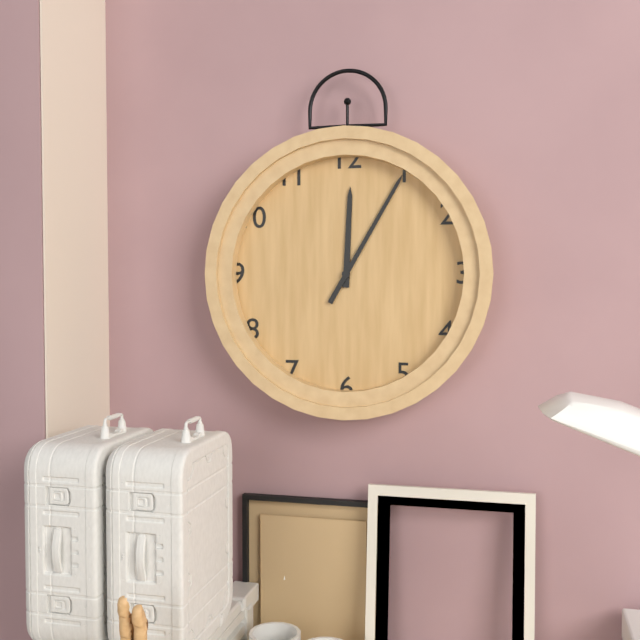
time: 12:05
